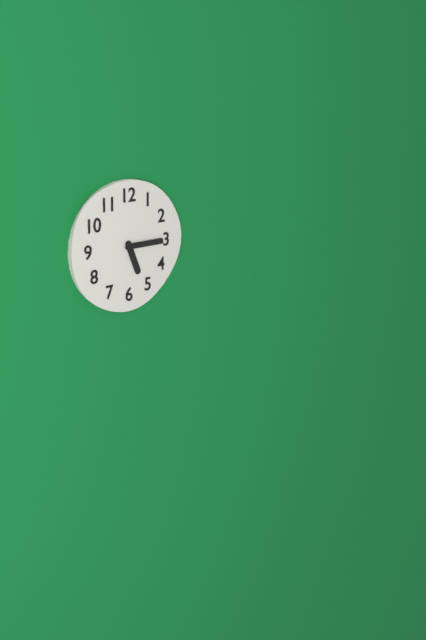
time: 5:15
